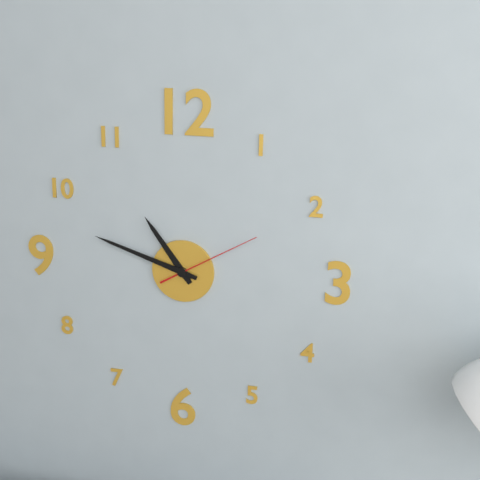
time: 10:48:10
